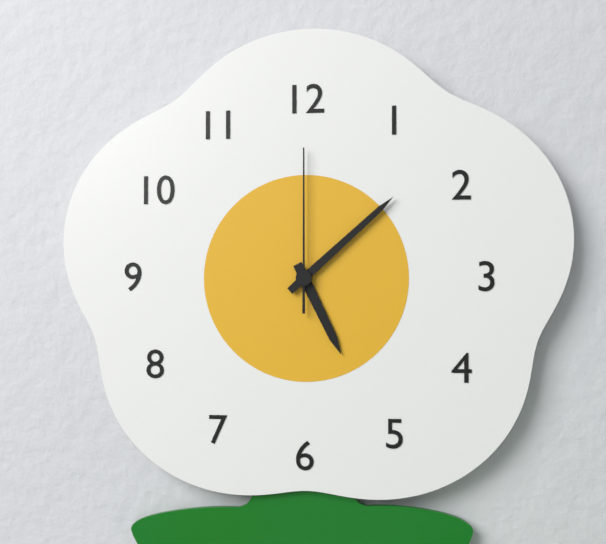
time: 5:08:00
